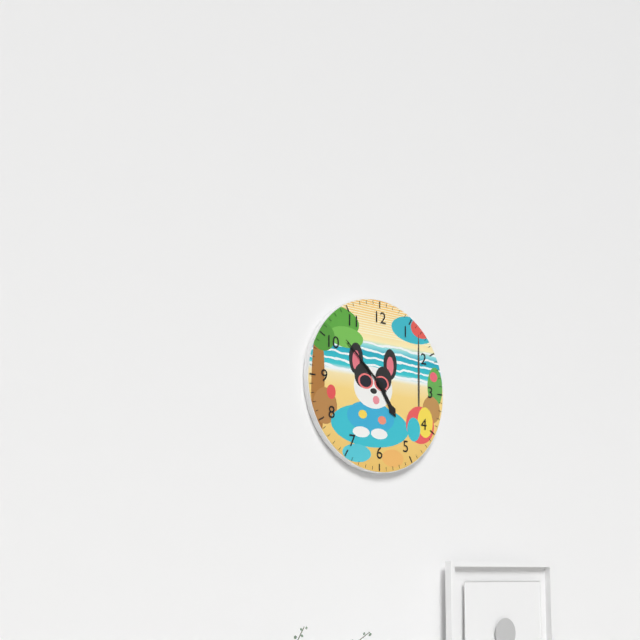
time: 4:52
